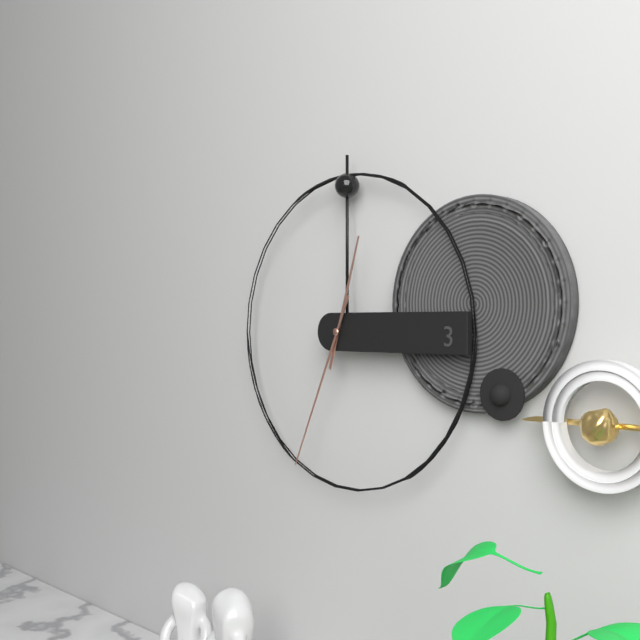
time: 12:34
